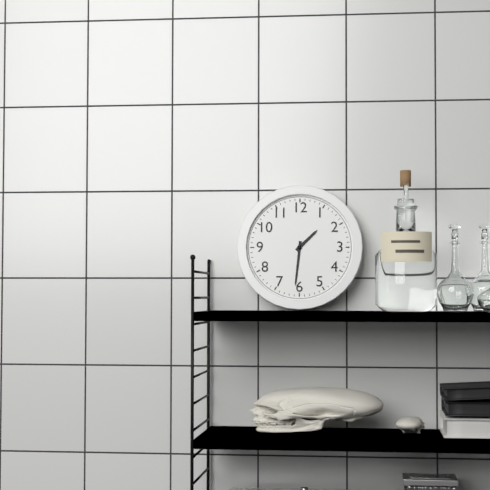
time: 1:31
